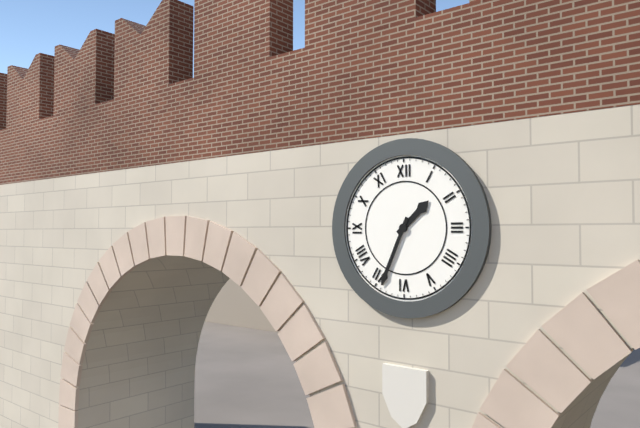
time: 1:34
